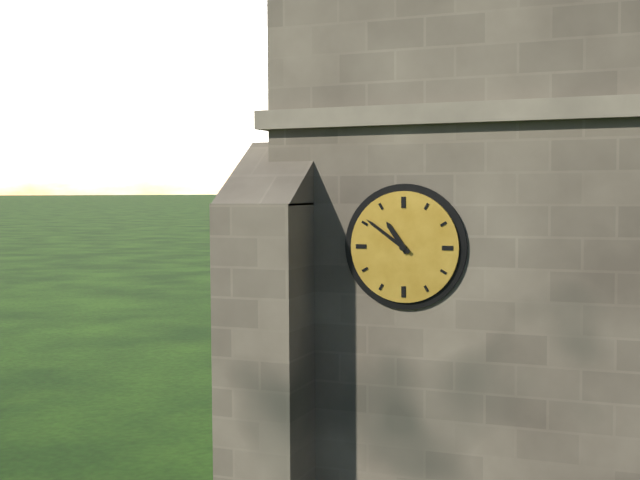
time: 10:51
